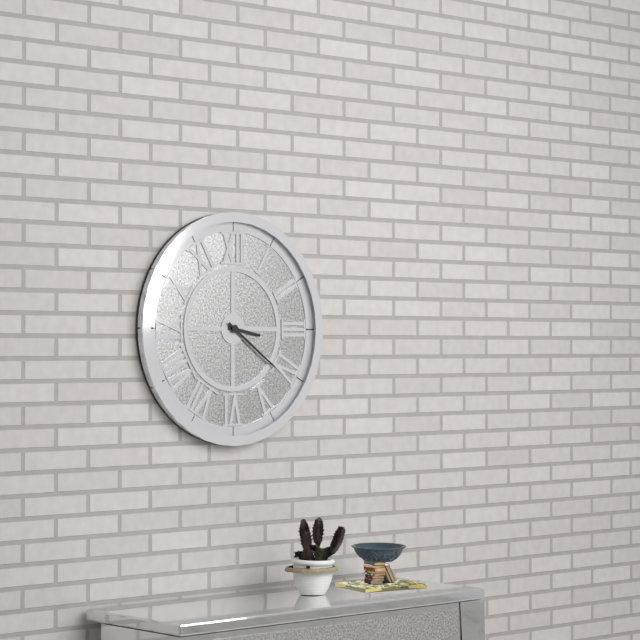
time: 3:21
